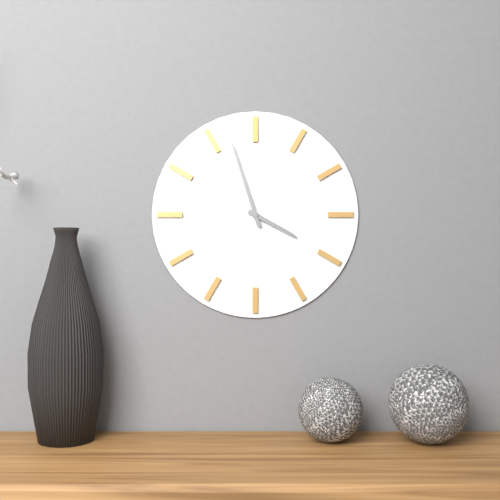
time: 3:57
